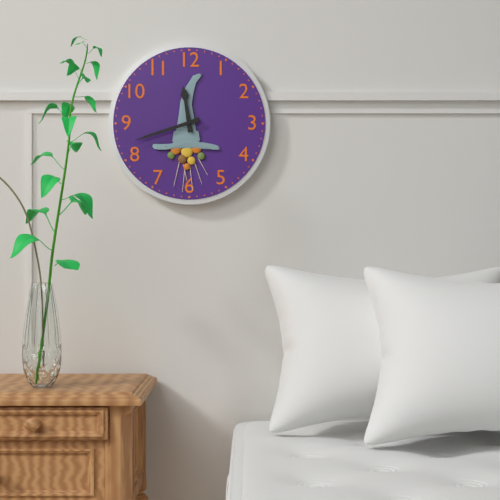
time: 11:42
